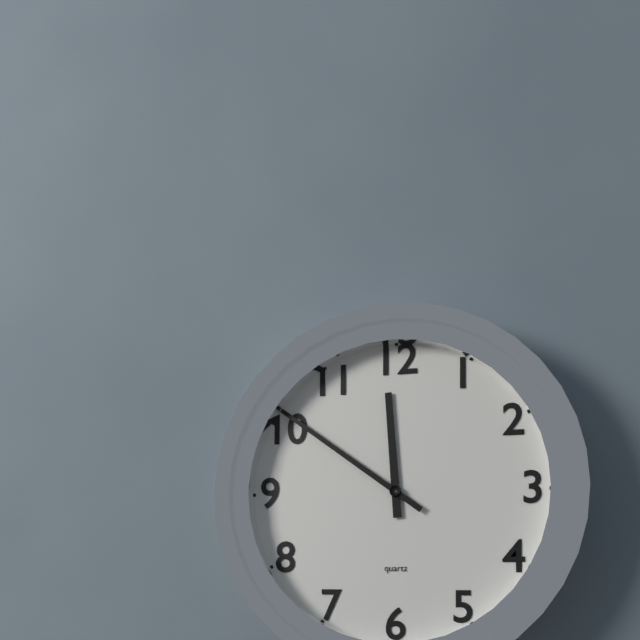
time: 11:51
